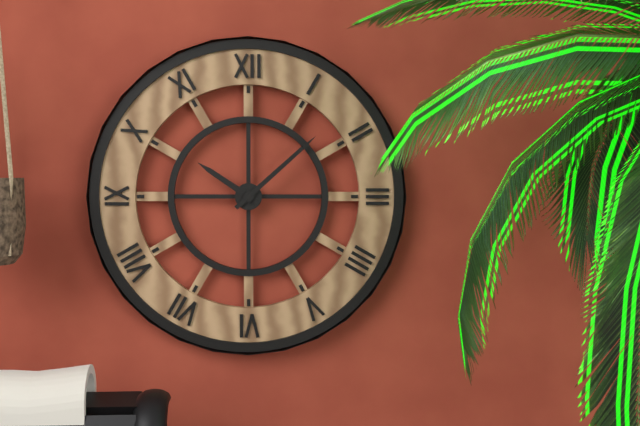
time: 10:08
